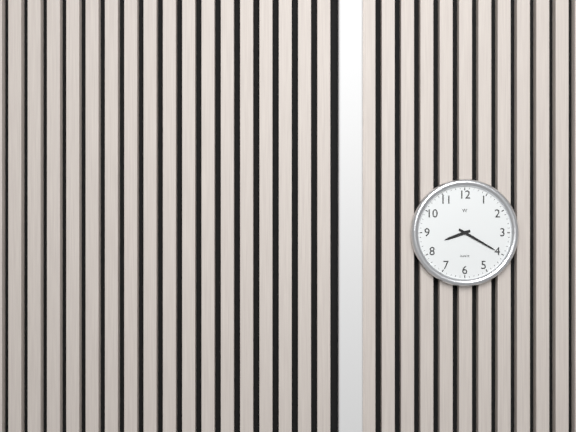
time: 8:20
